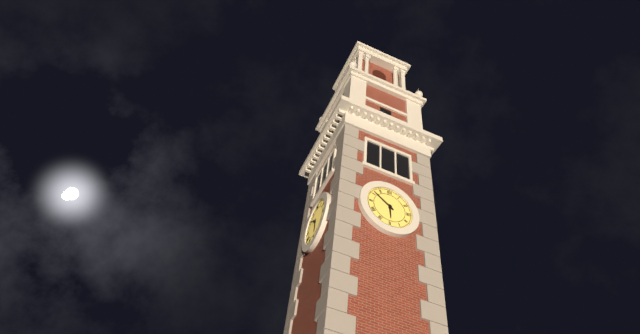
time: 5:51
